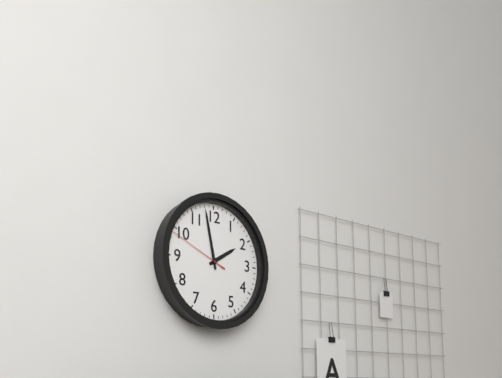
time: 1:58:49
